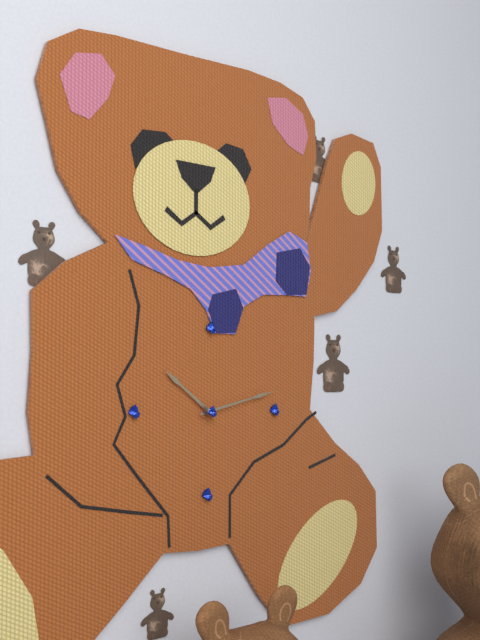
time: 10:13
